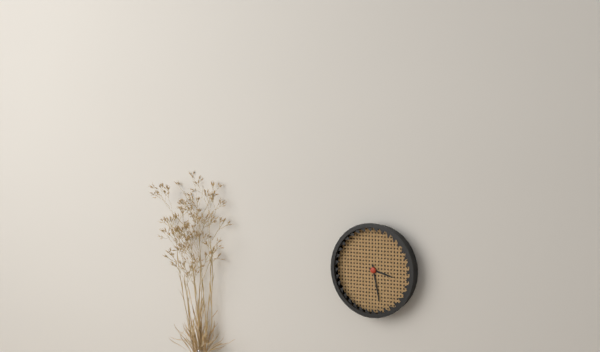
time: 3:28
